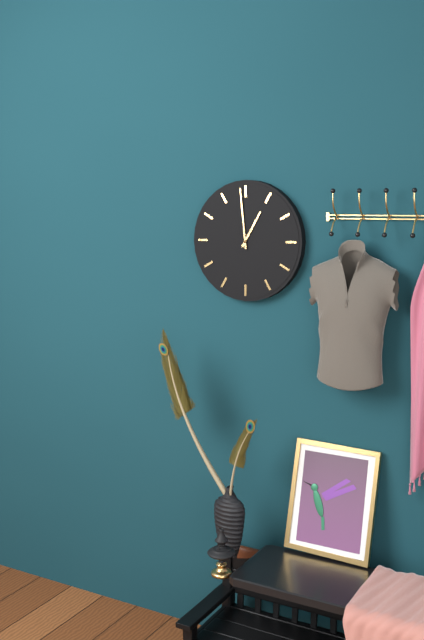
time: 12:59
